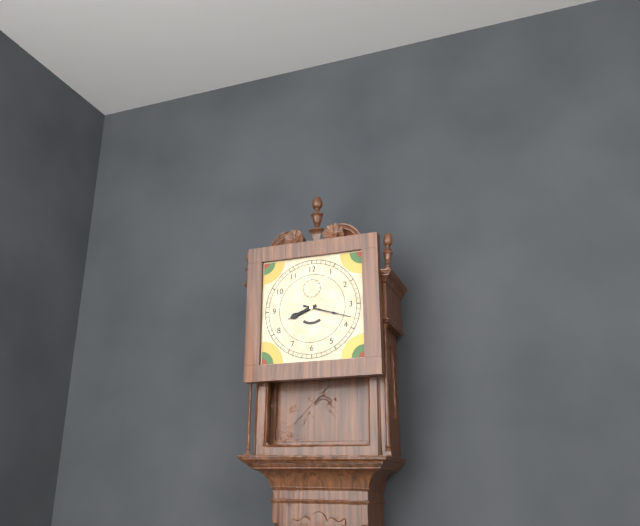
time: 8:18
